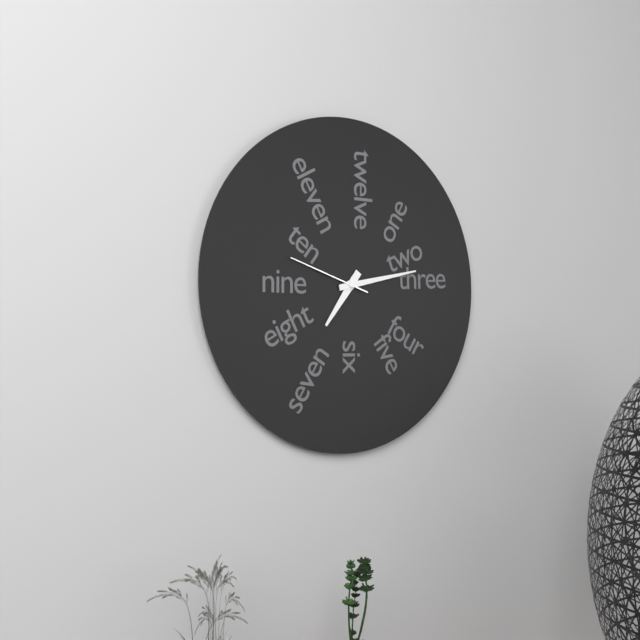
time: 7:13:48
